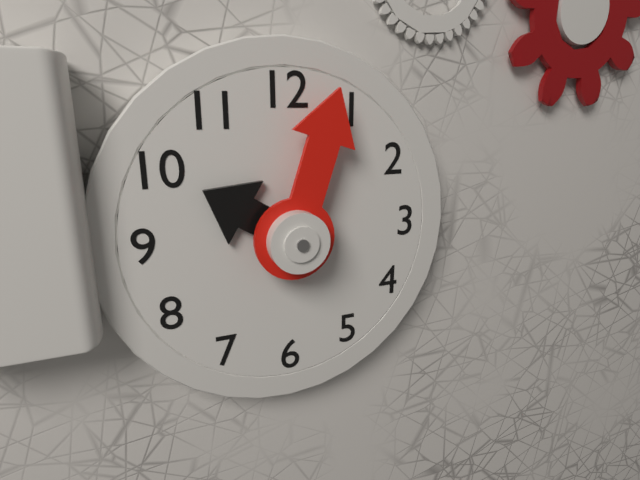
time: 10:03
